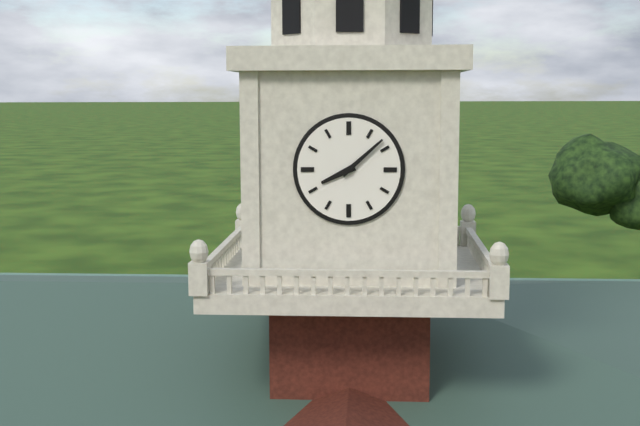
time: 8:08
